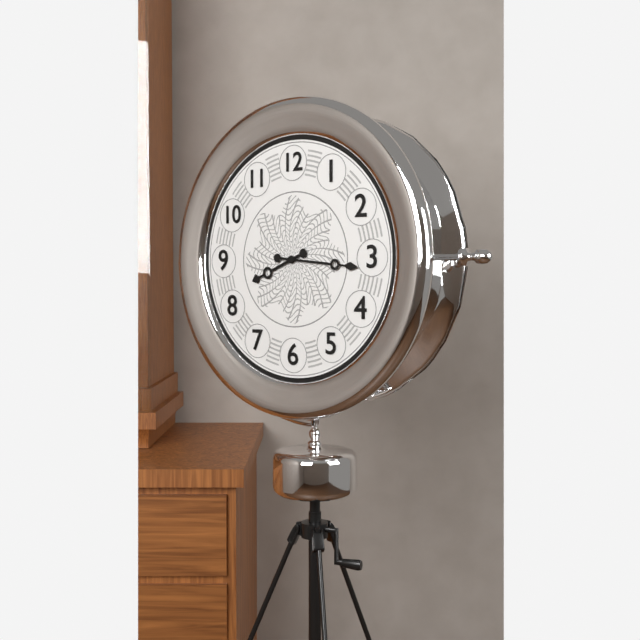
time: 8:16
